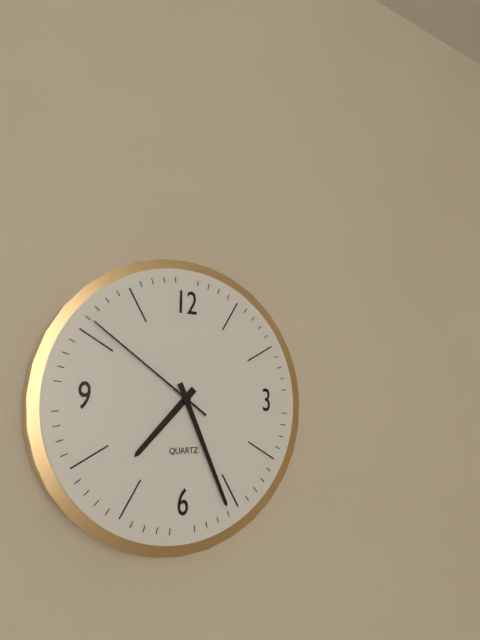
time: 7:26:51
